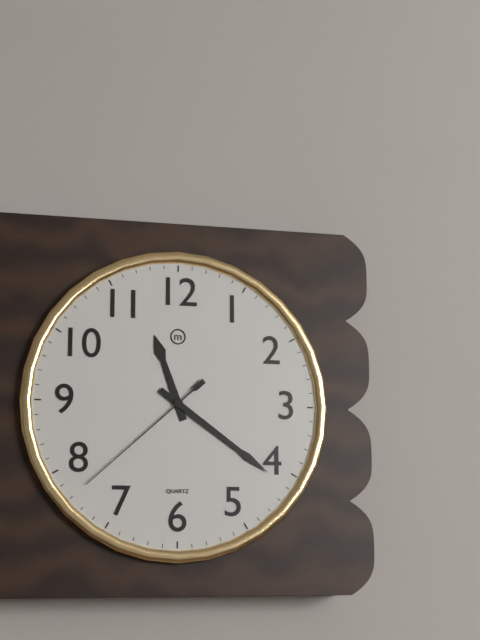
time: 11:21:38
